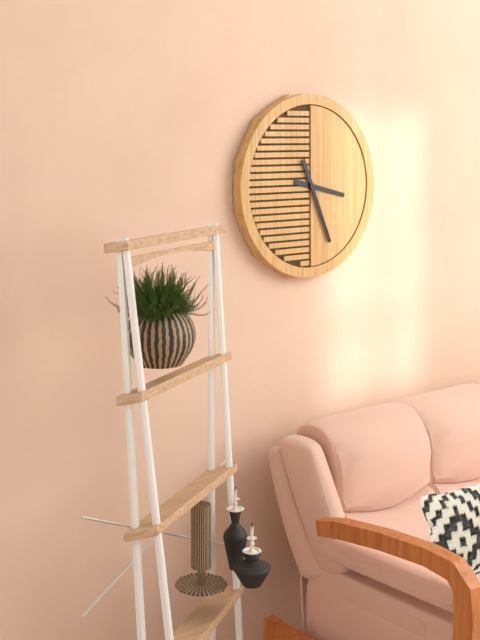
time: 3:26
